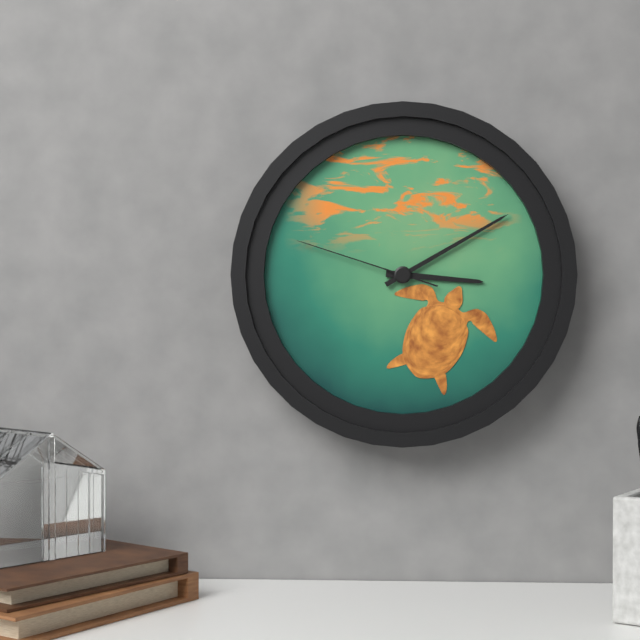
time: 3:10:48
